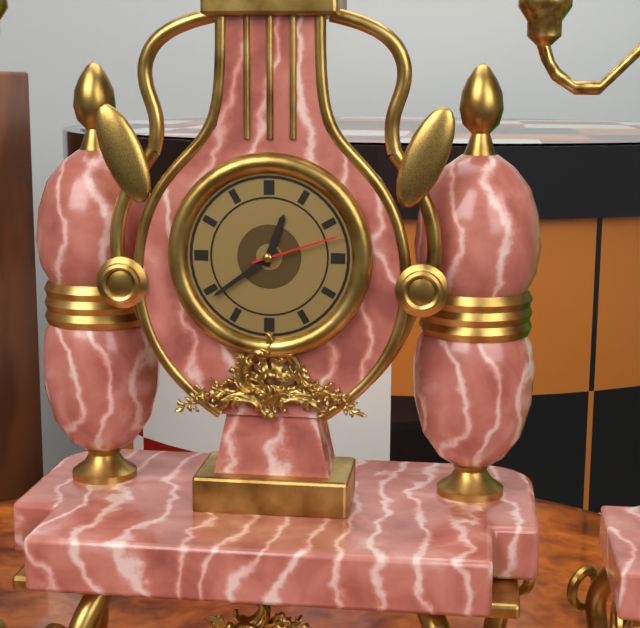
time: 12:39:12
